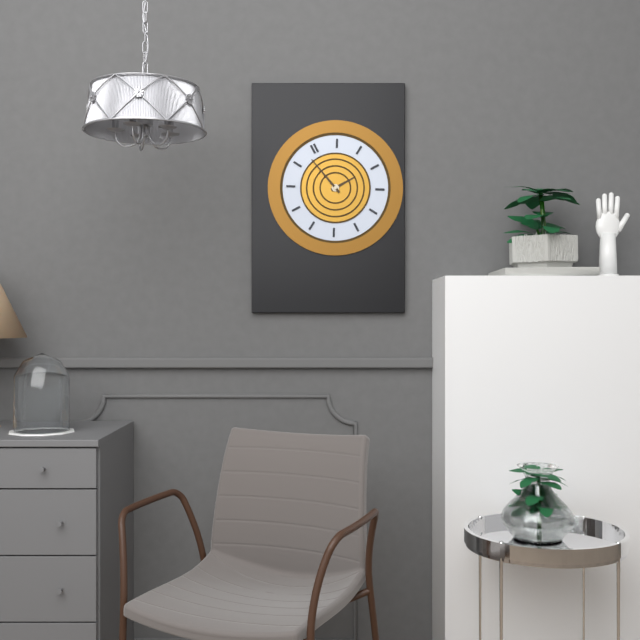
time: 2:58
